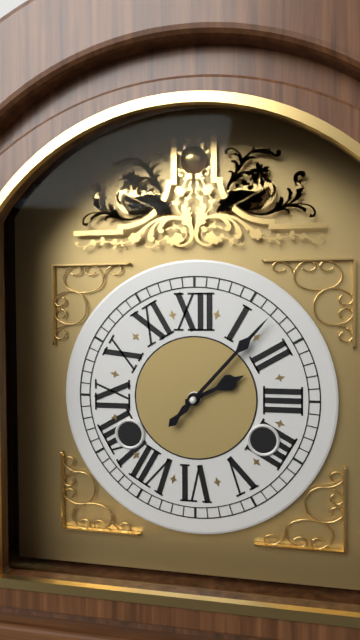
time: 2:07
